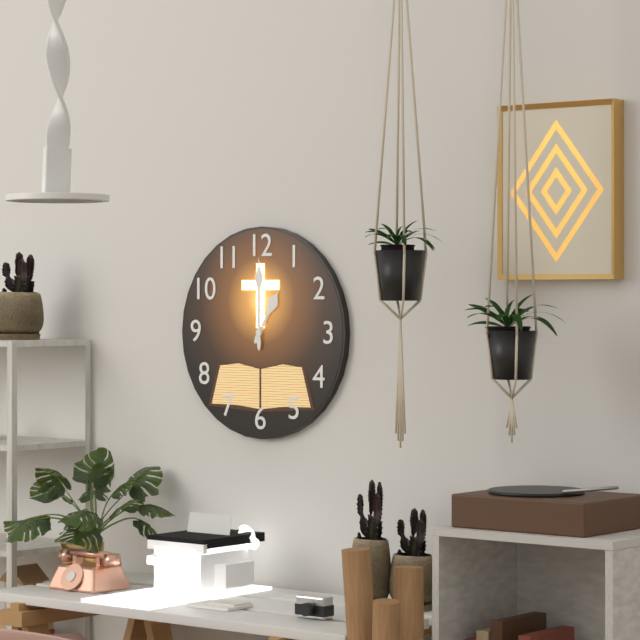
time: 1:00
